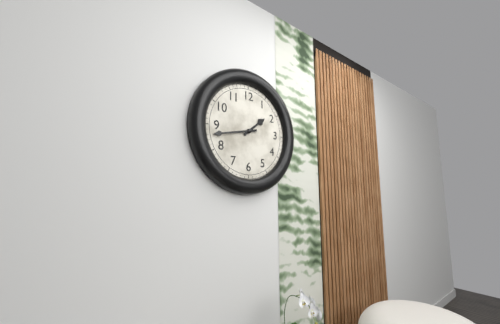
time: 1:43
